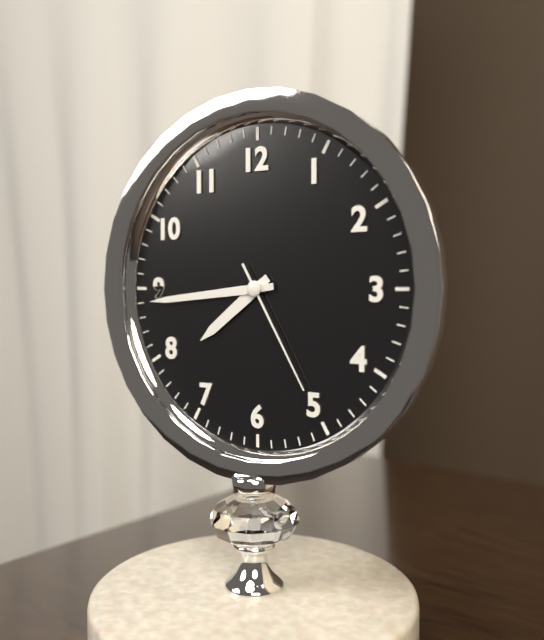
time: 7:44:25
